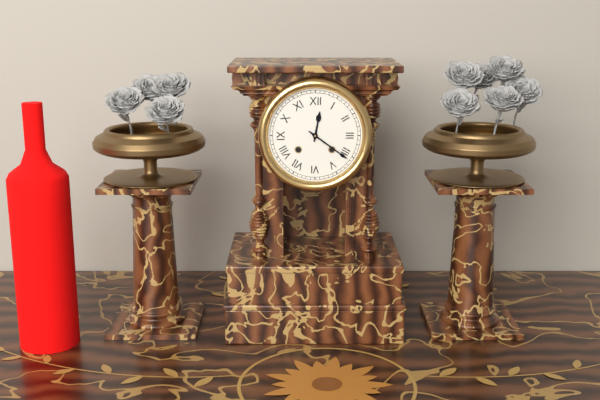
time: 12:21
